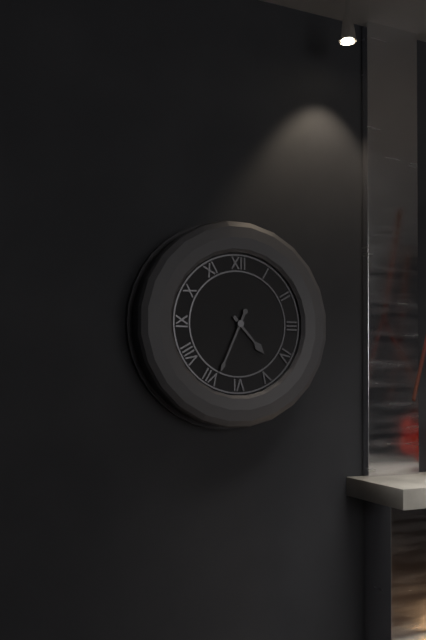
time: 4:34
